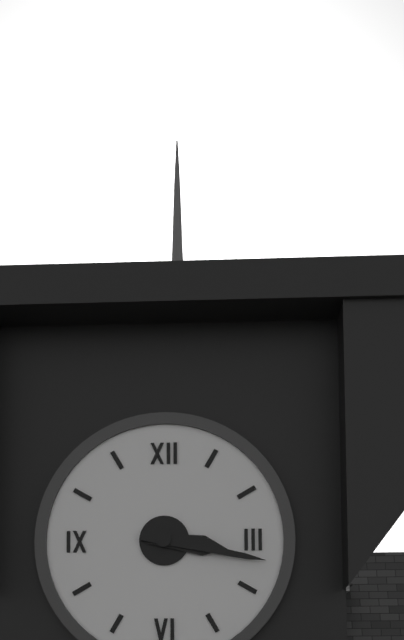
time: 3:17
